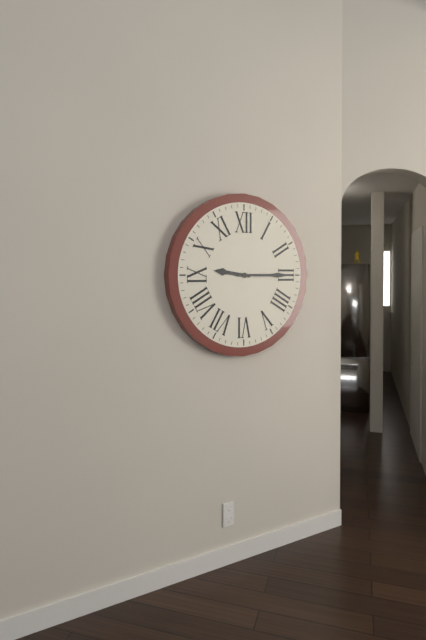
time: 9:15
